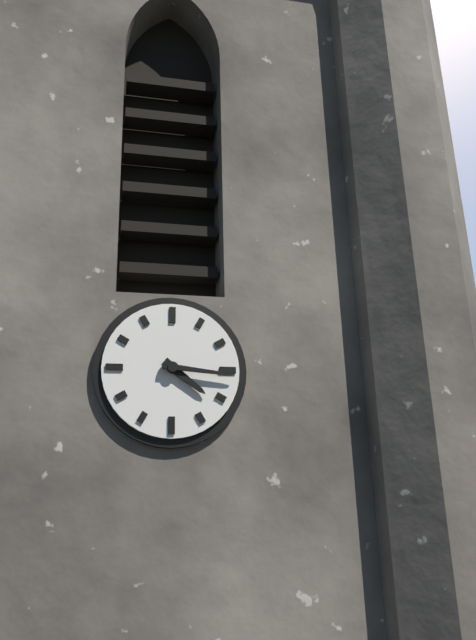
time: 4:16
